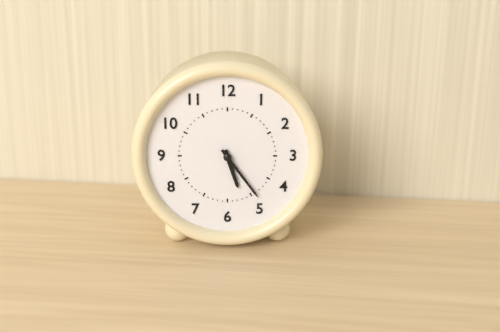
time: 5:24
